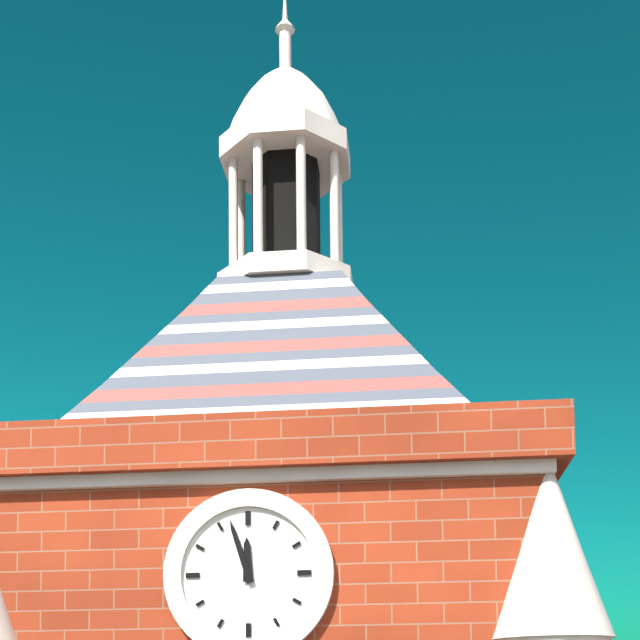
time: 11:57
